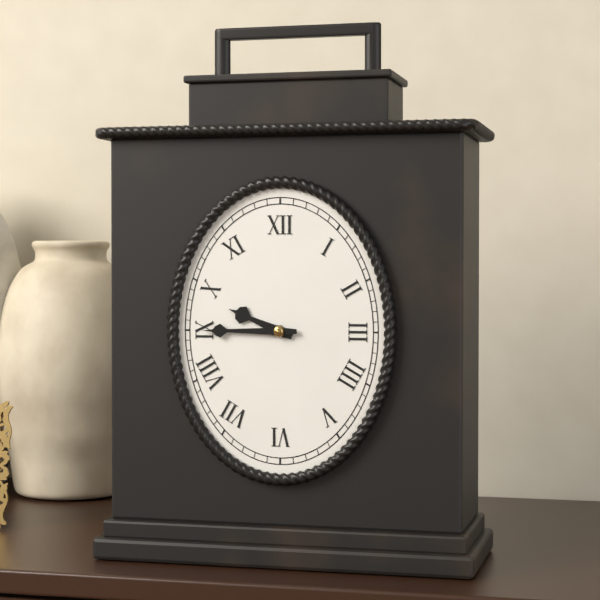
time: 9:45
